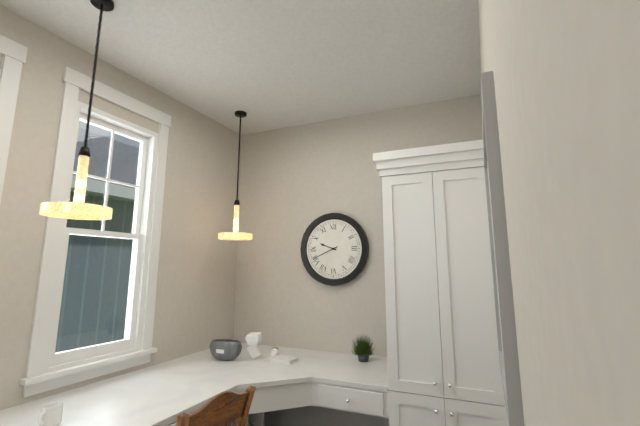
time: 9:41
